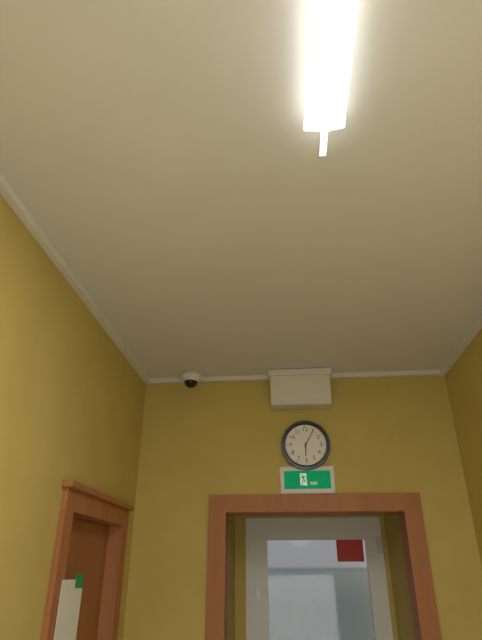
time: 6:05
